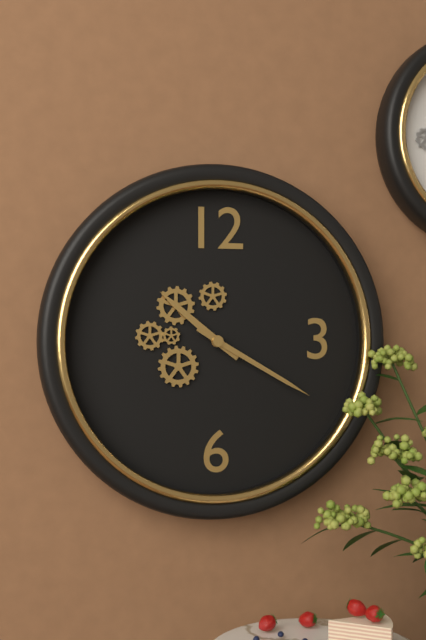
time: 10:20
